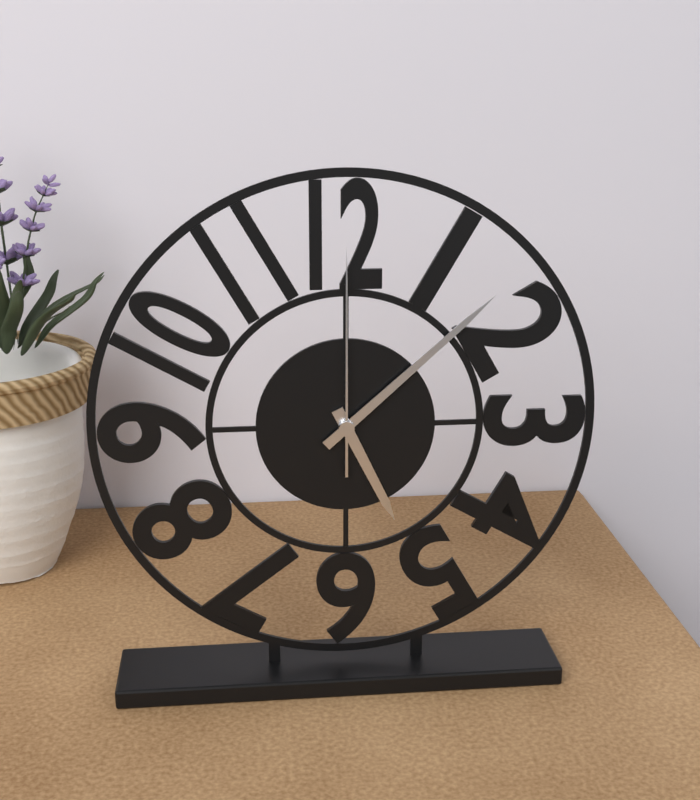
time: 5:08:00
